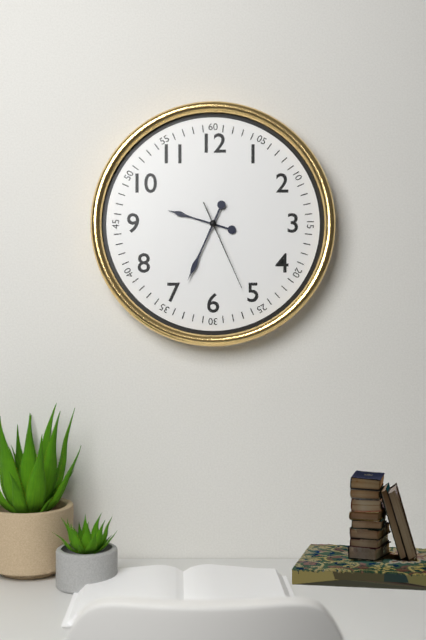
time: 9:34:26
